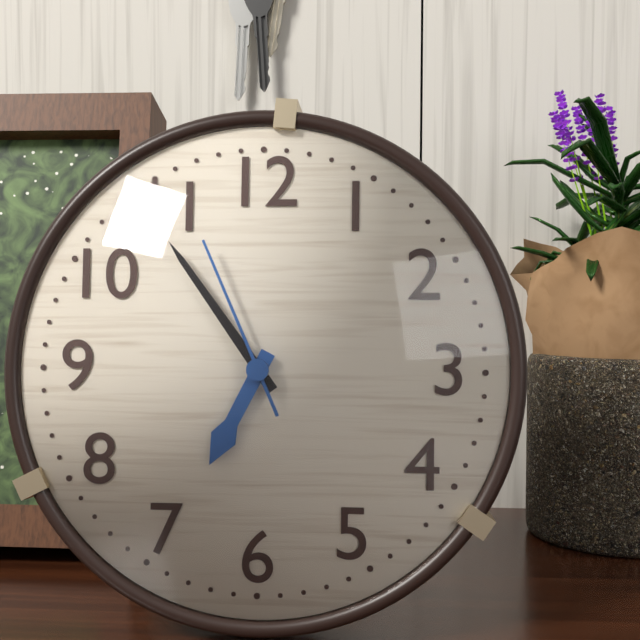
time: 6:54:56
